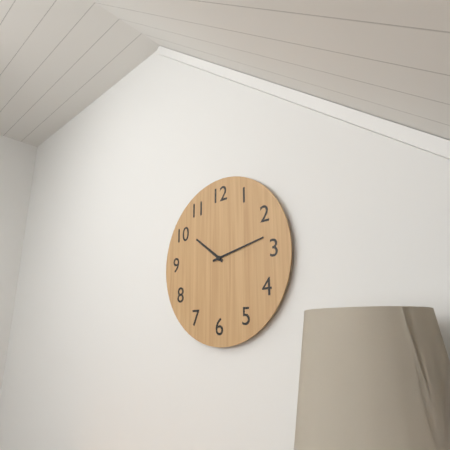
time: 10:13
